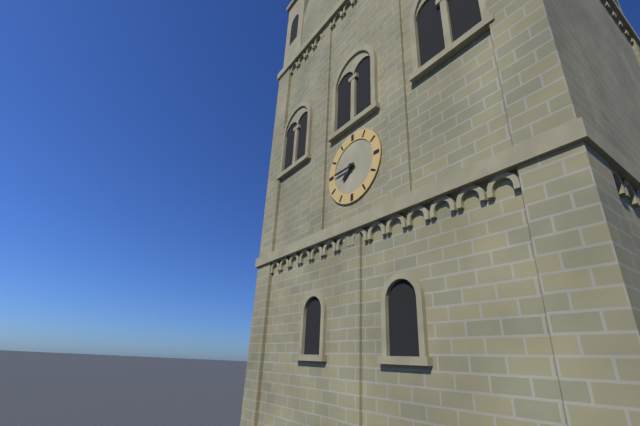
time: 7:45
